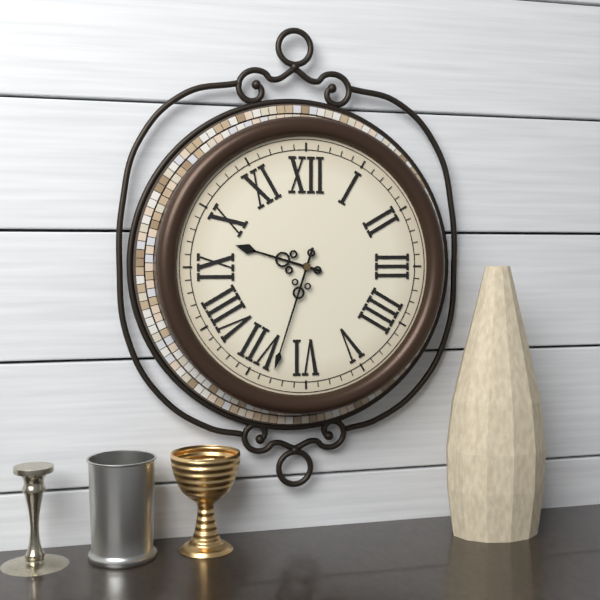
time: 9:33
